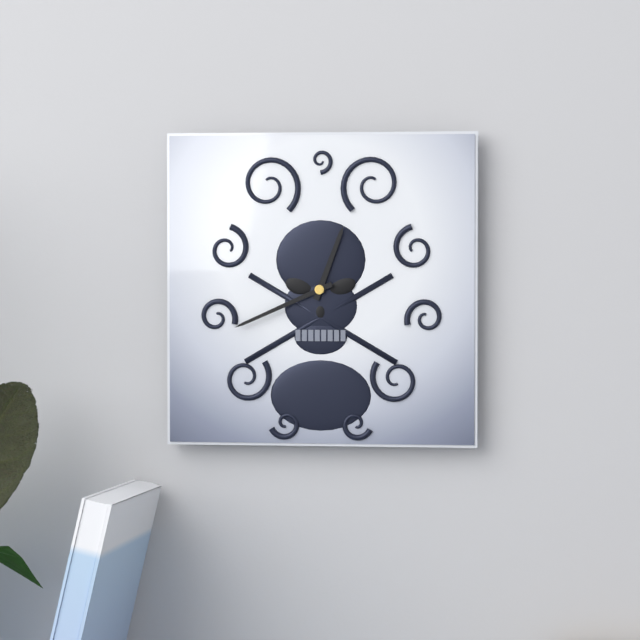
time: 12:41
